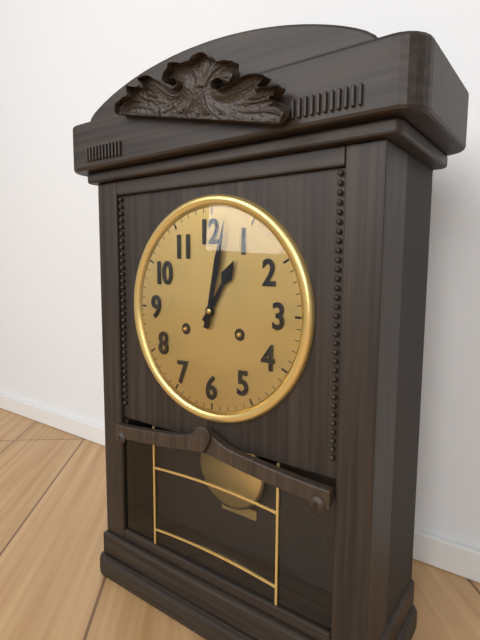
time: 1:02
